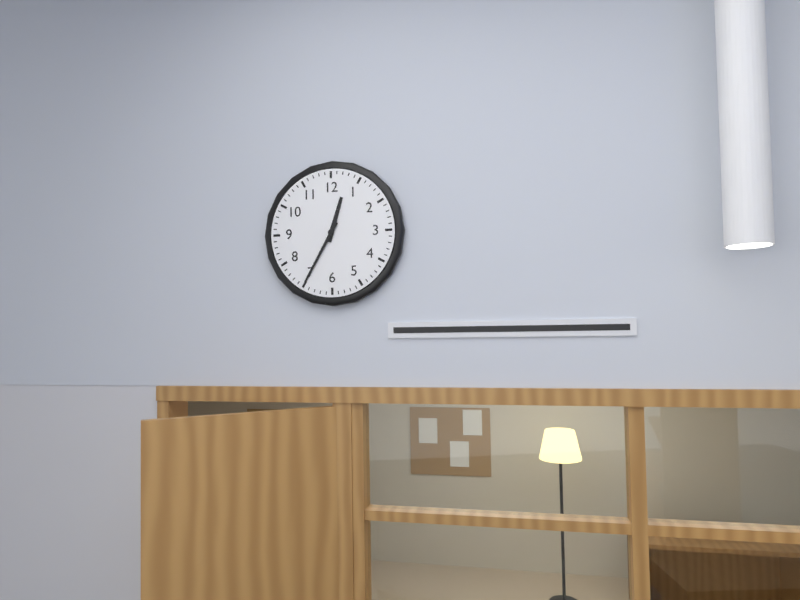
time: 12:35
